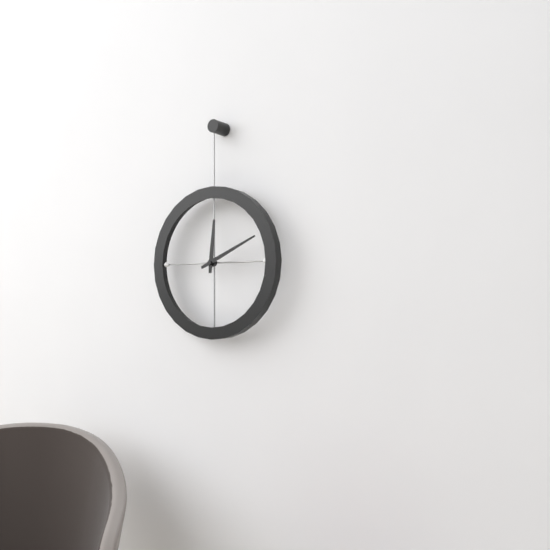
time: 12:11
